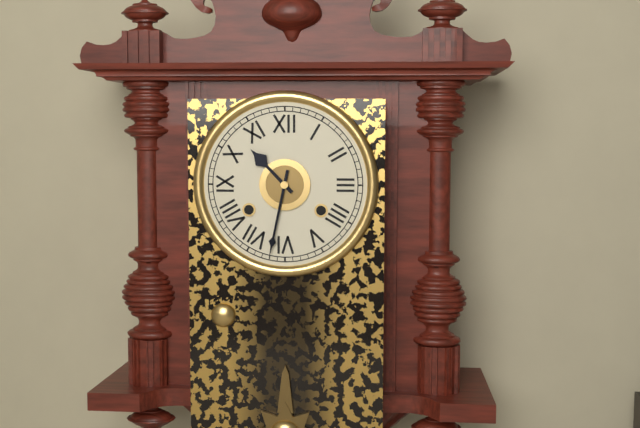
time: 10:32
